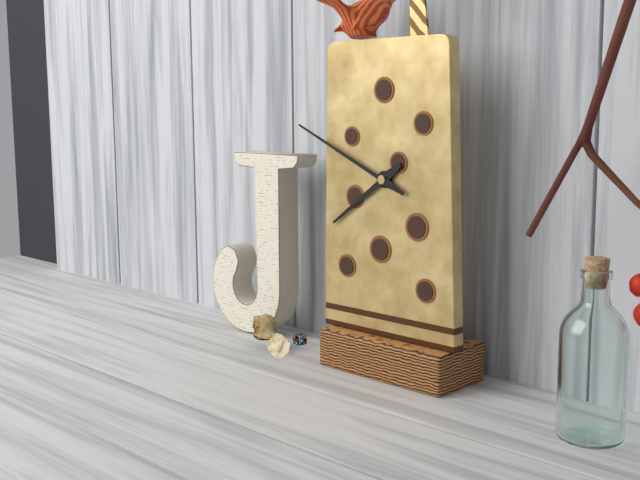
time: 7:49
